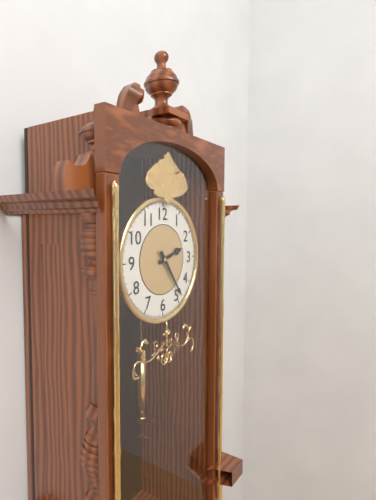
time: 2:24
